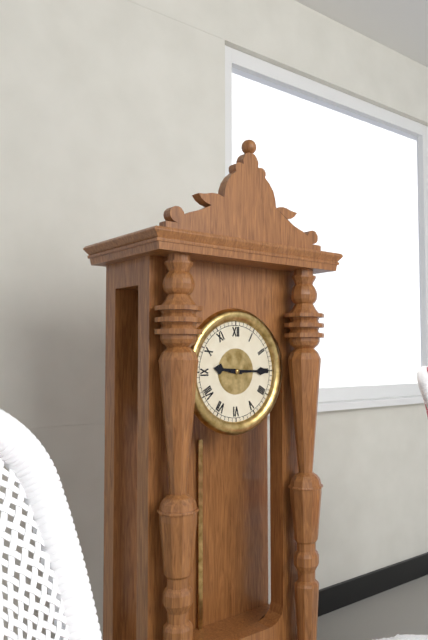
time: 9:15
